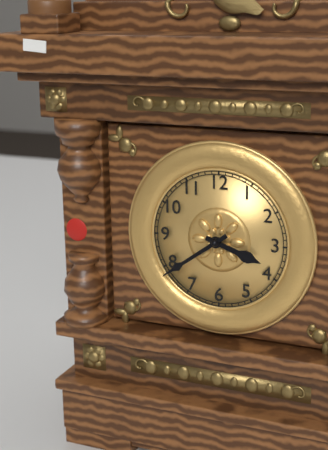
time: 3:39
